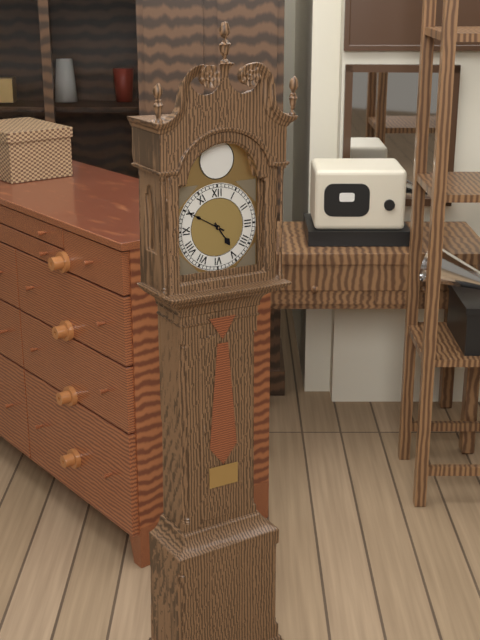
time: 4:50
